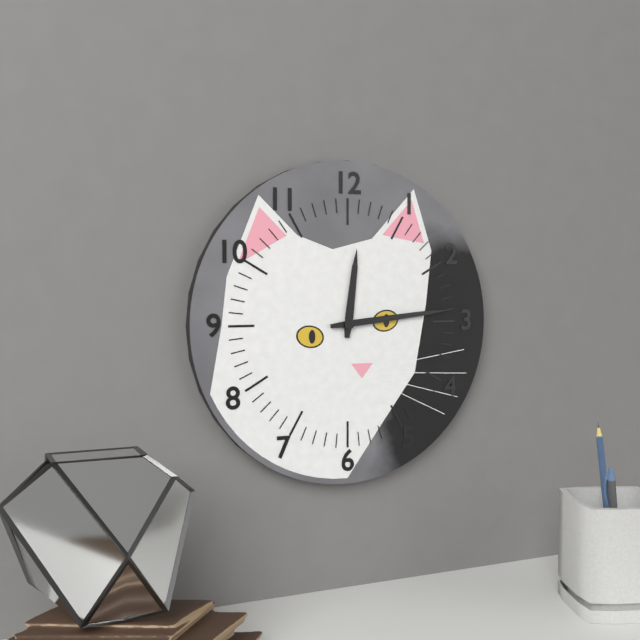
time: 12:14
